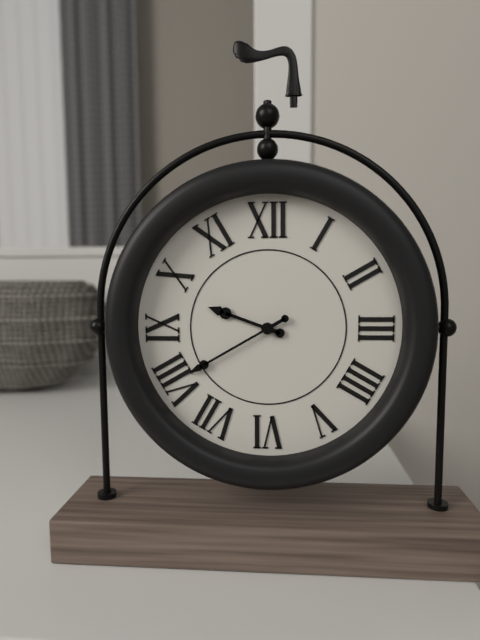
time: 9:40
